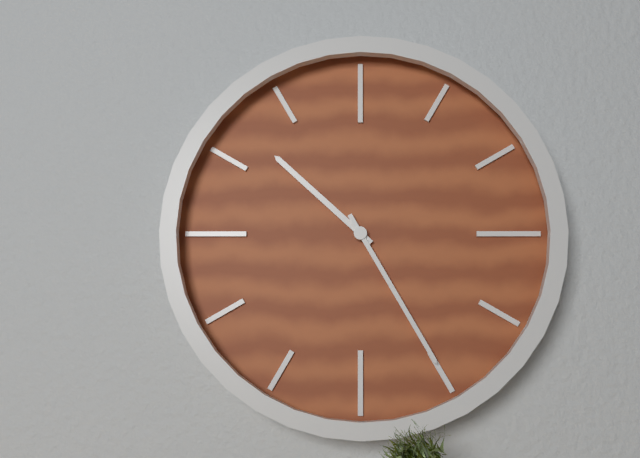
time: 10:25
